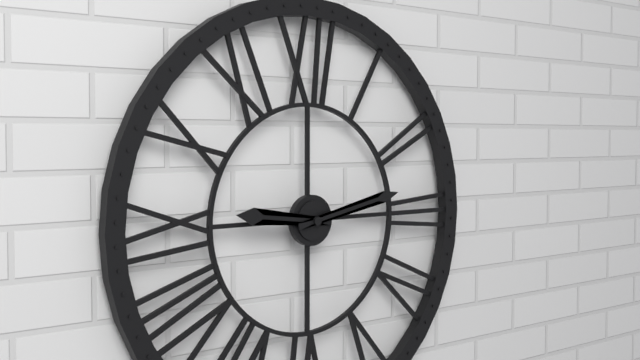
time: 9:13
